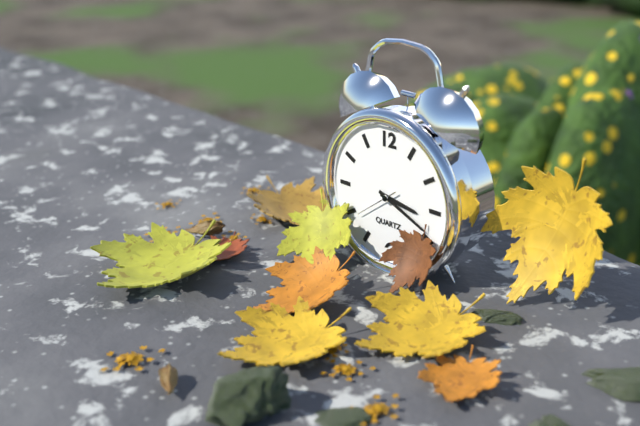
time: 3:19
